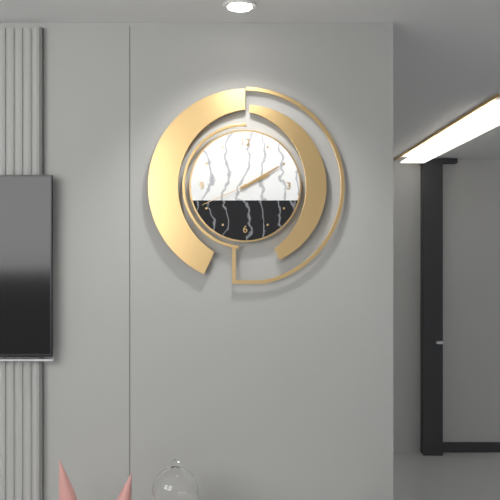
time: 2:10:41
